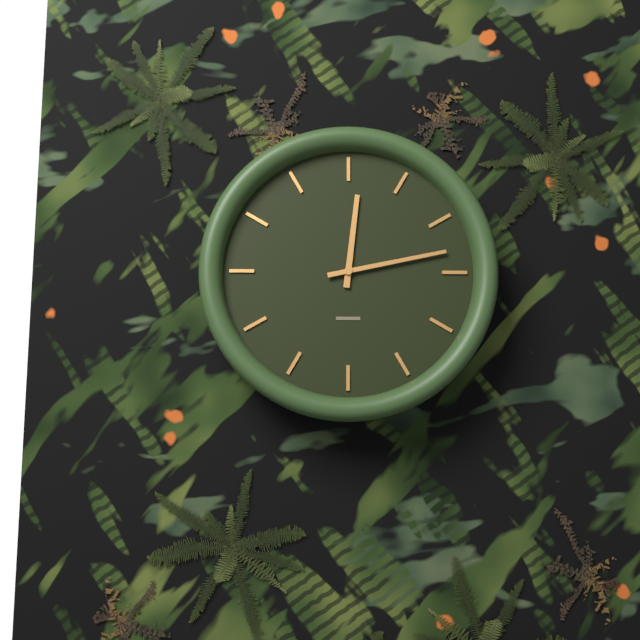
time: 12:13
